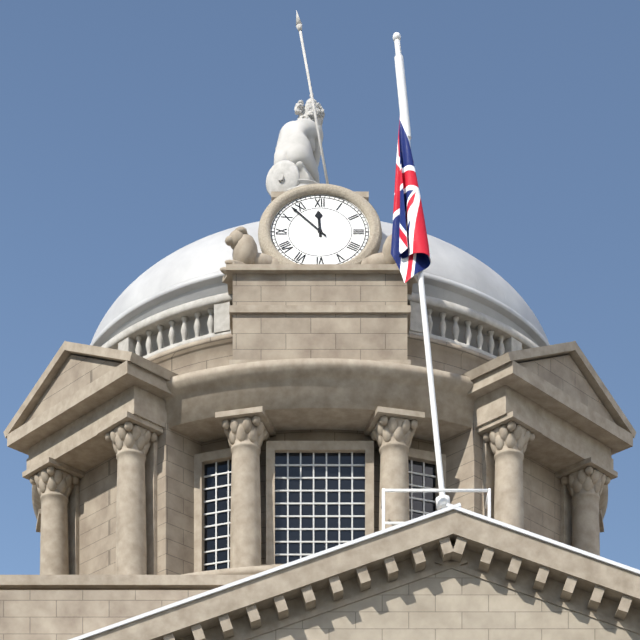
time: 11:53
